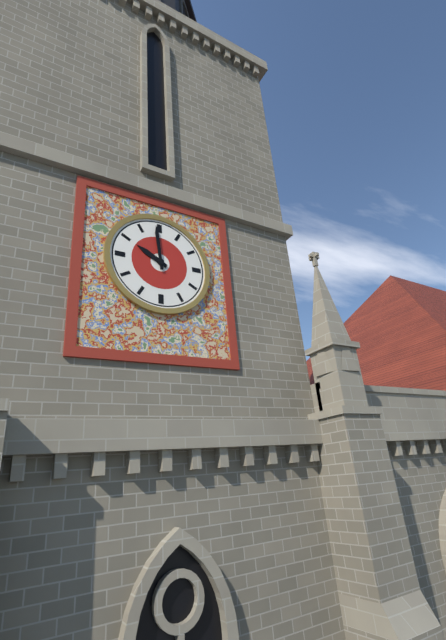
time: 9:59
